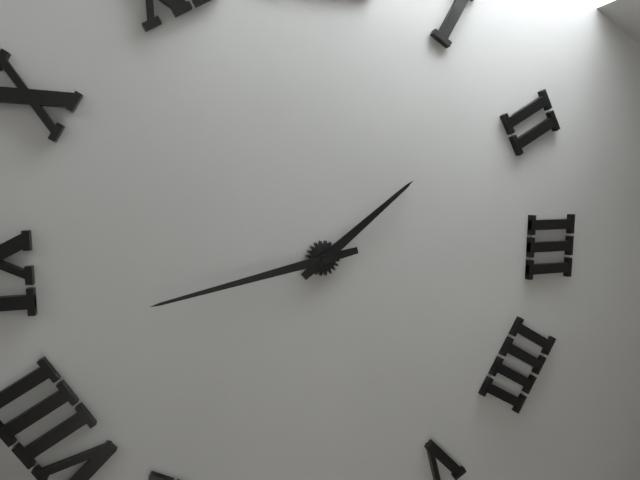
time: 1:43
